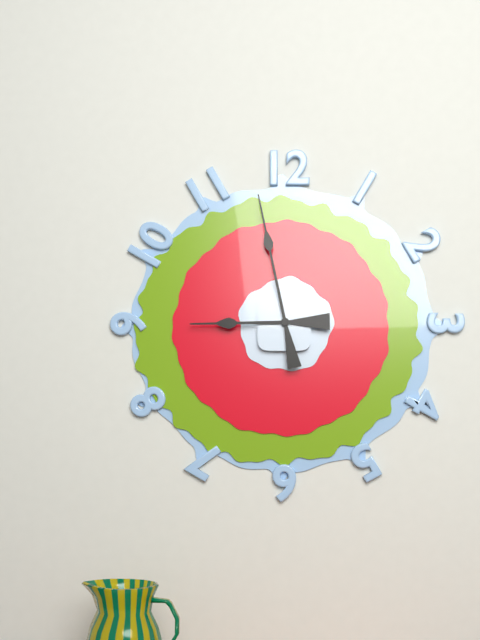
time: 8:58
